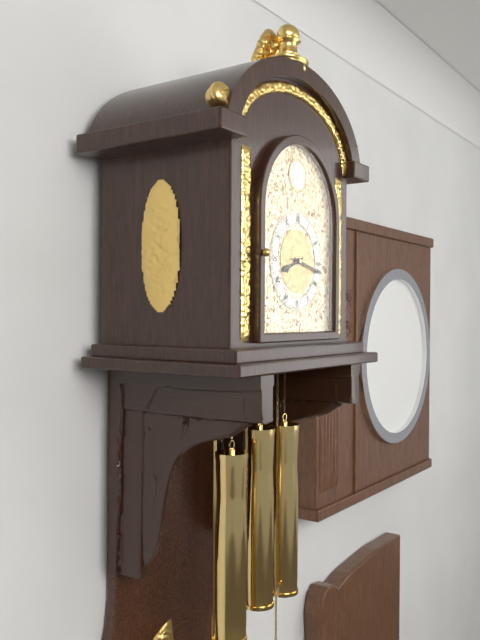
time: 8:17
